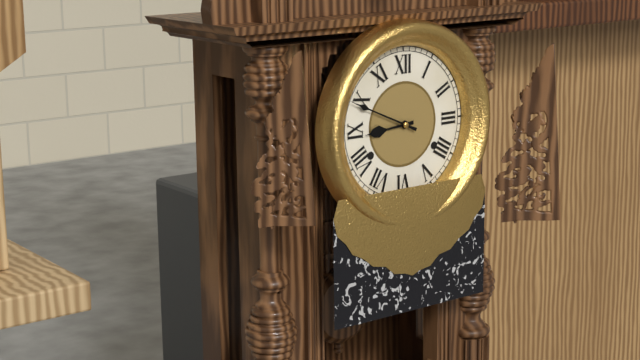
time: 8:49
